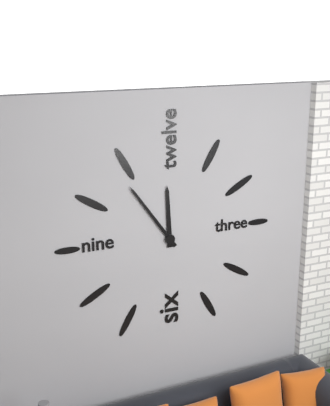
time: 11:54
